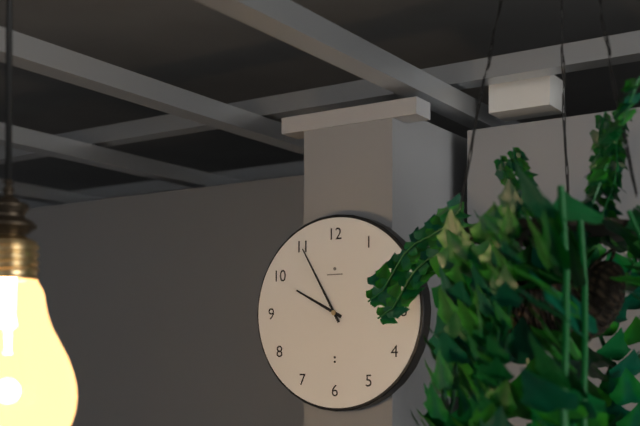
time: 9:55
